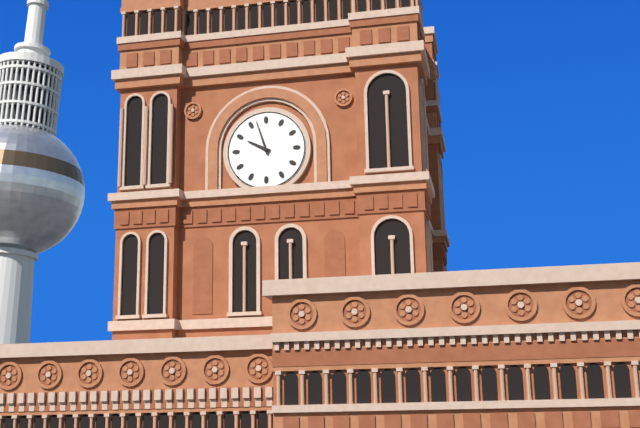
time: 9:57
